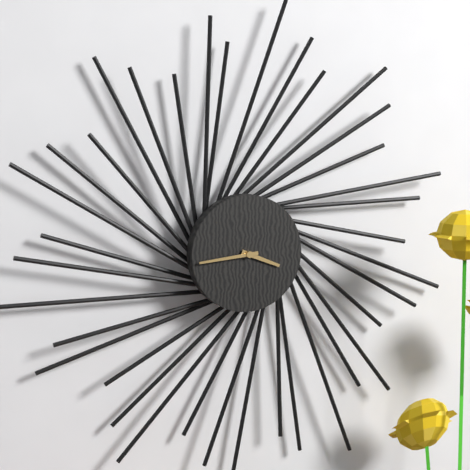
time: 3:44
